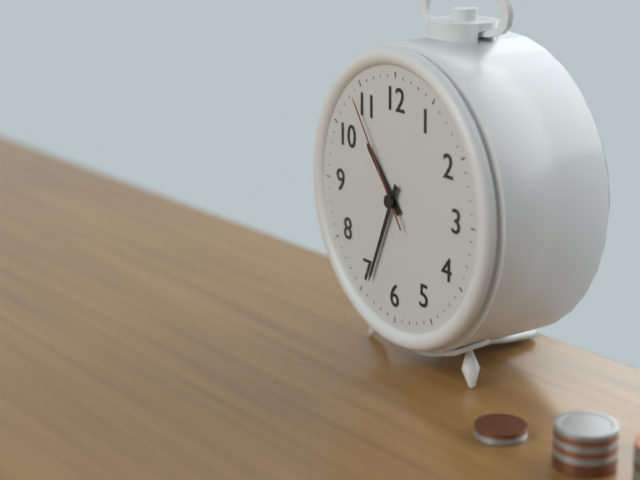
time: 10:34:54
